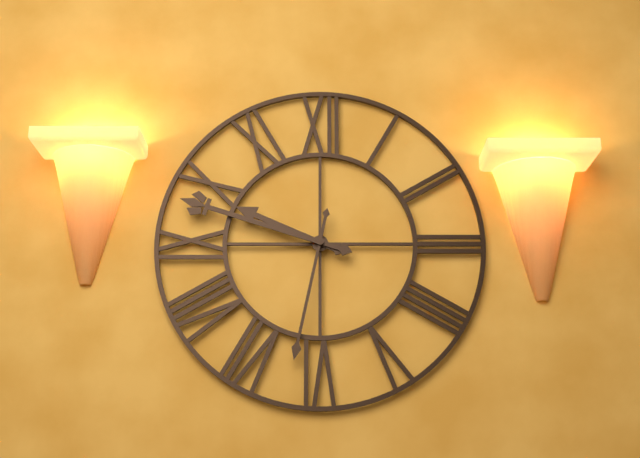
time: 9:48:32
